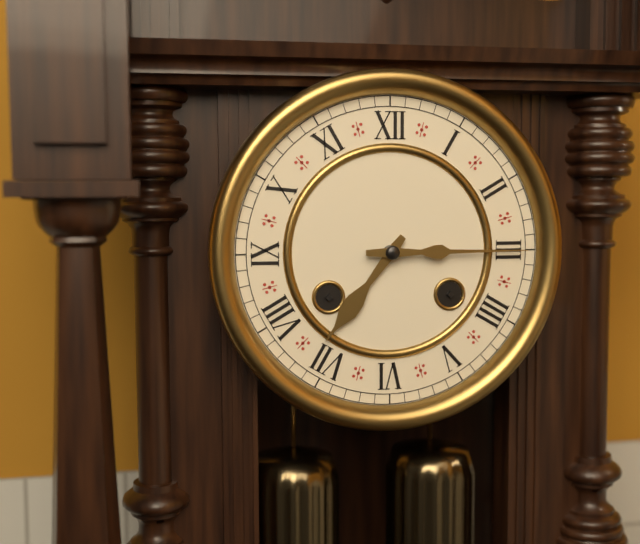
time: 7:15
